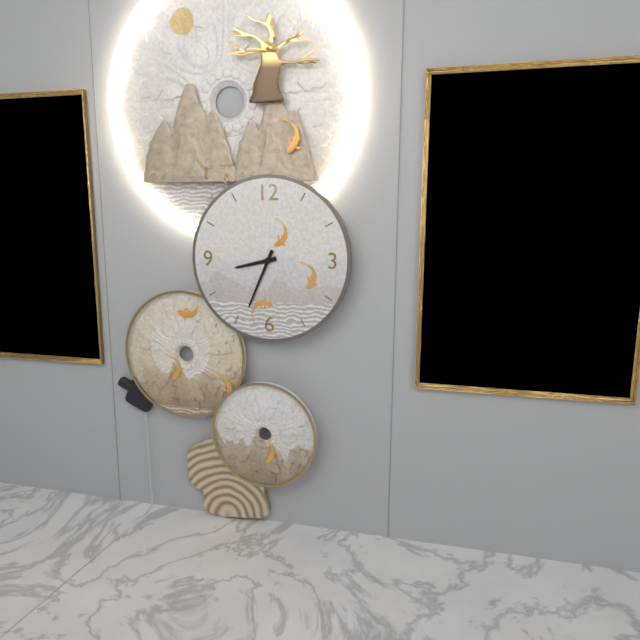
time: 8:34
